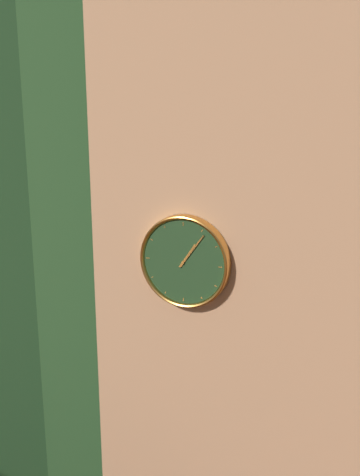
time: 1:06
